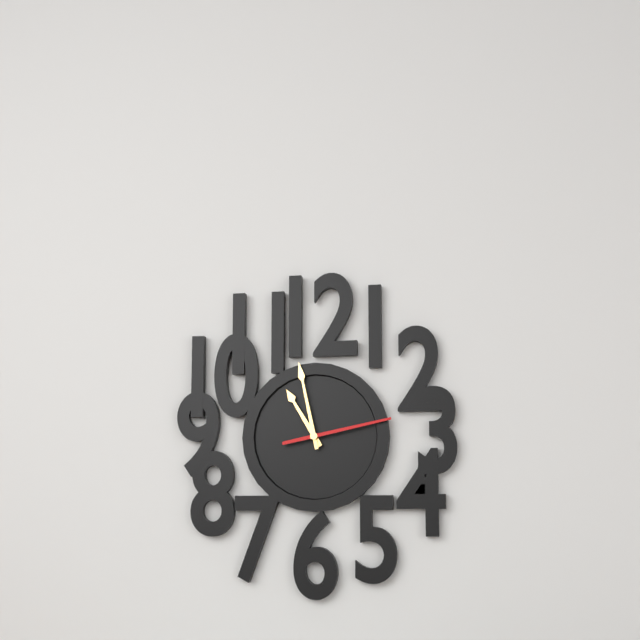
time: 10:58:13
